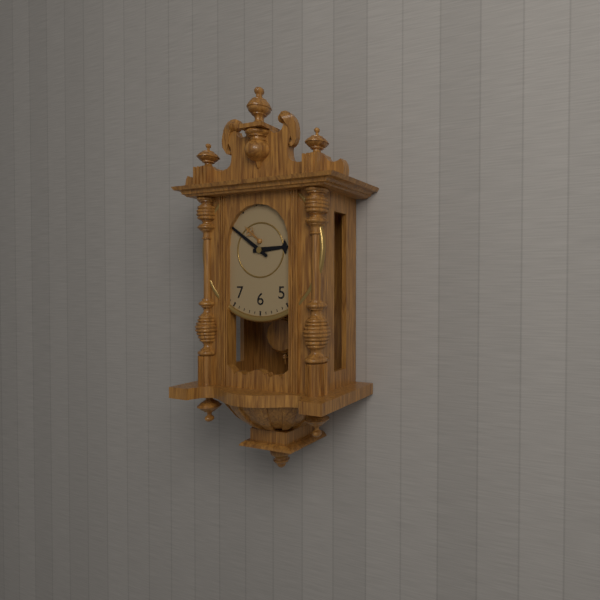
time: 2:51
